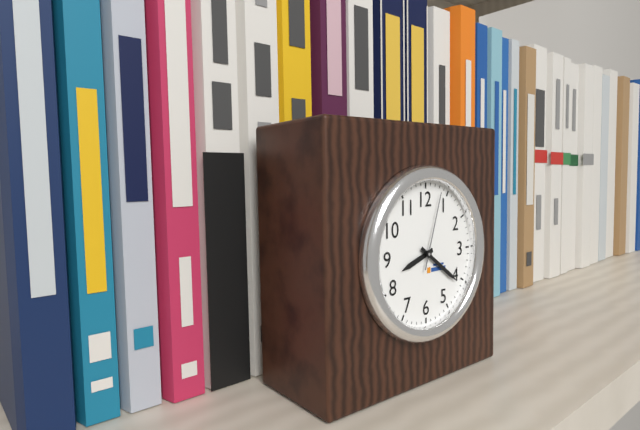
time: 8:21:03
